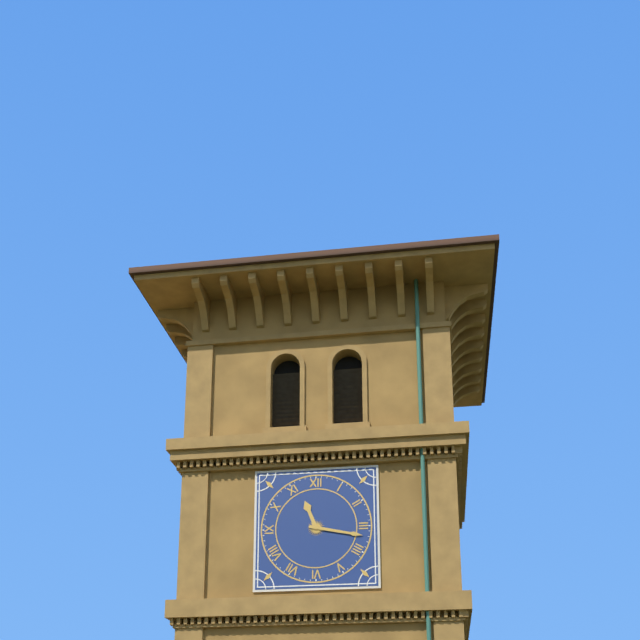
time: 11:17
